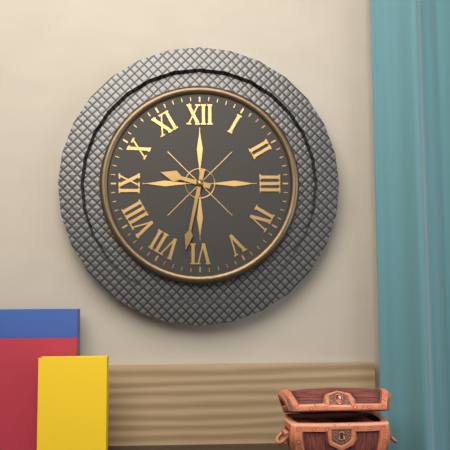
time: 9:32
